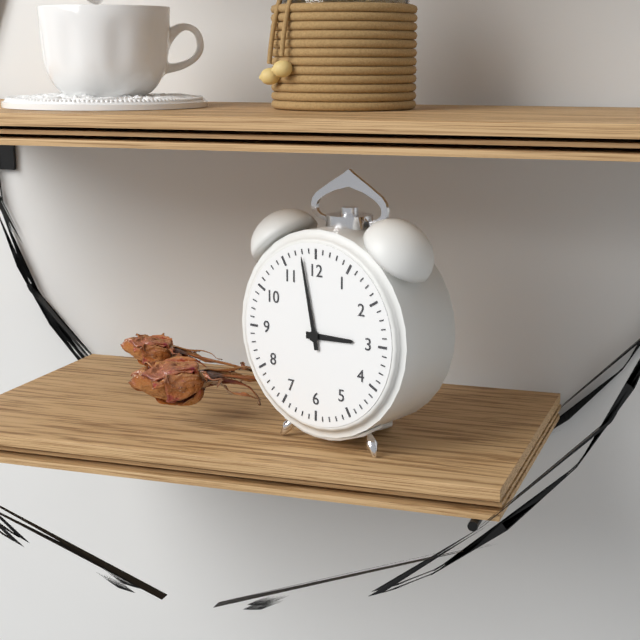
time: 2:58
